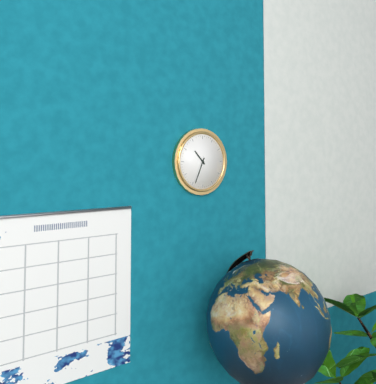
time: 10:34
